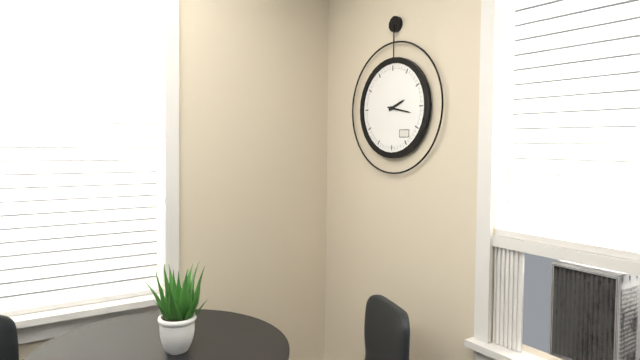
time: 2:17
